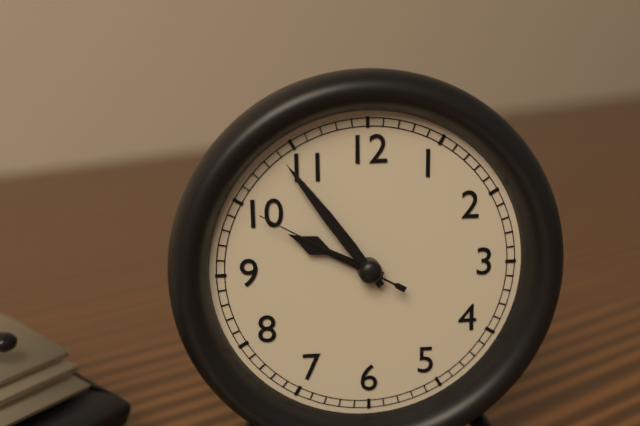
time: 9:54:50
